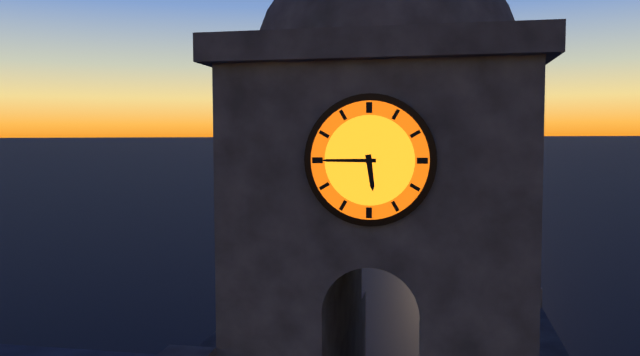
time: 5:45
